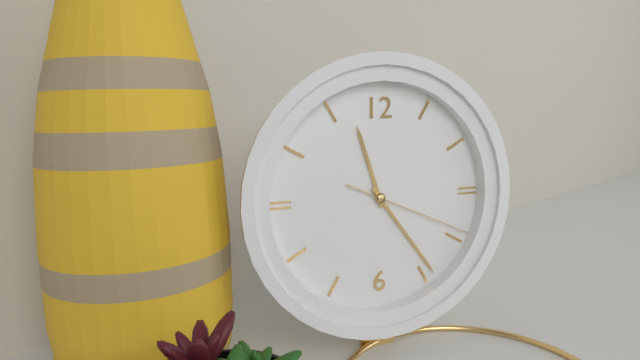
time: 11:24:19
